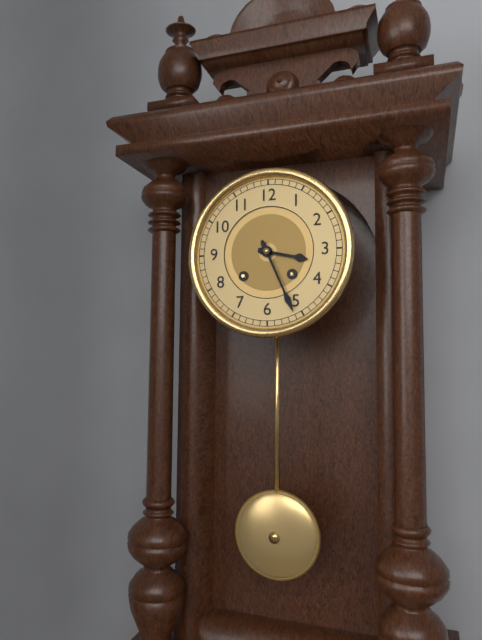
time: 3:26
